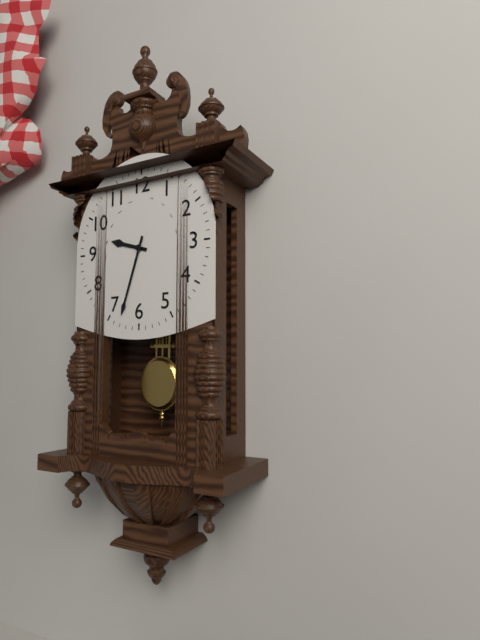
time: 9:33
